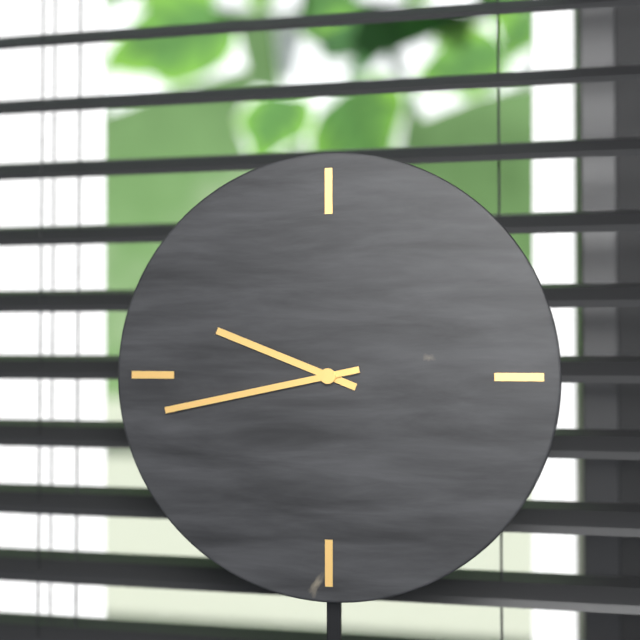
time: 9:43
